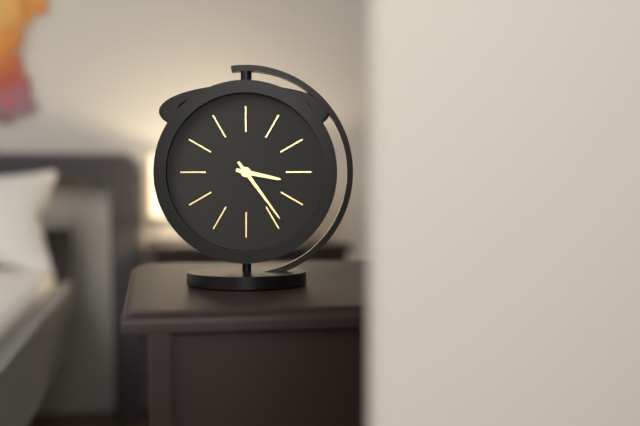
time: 3:24
